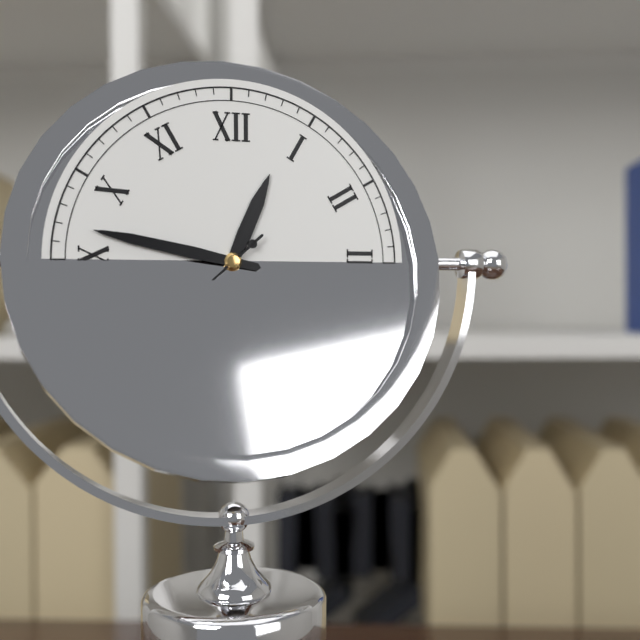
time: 12:47
